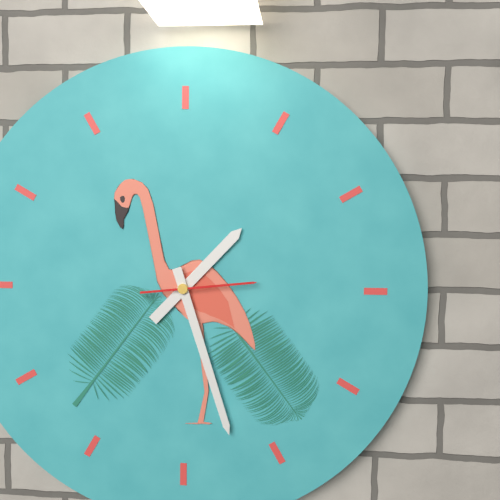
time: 1:27:14
